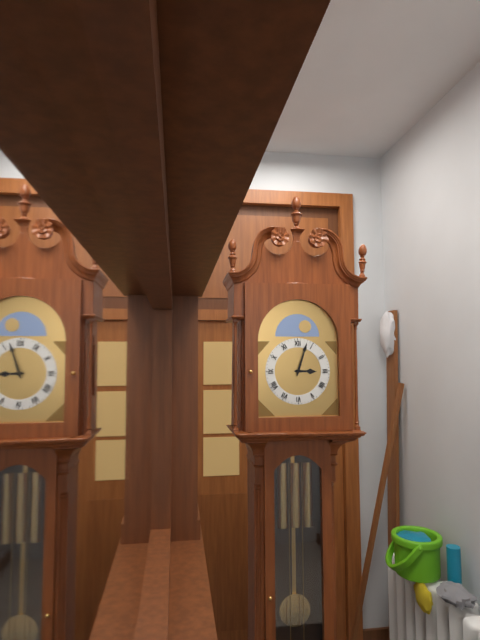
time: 3:03
